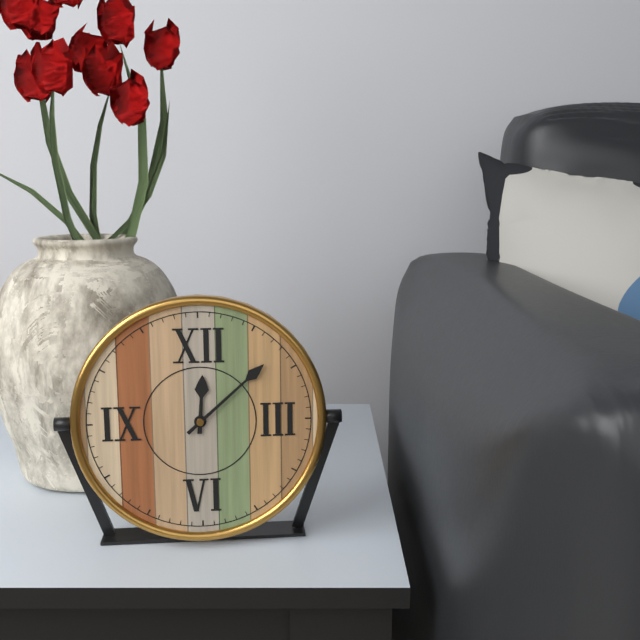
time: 12:08
